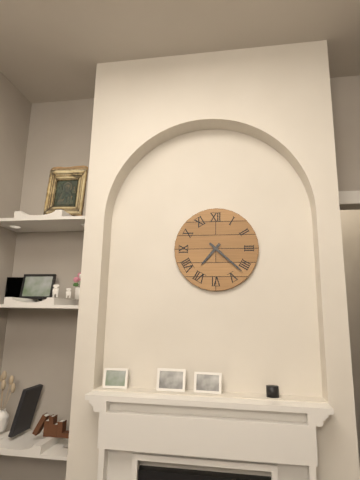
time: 7:22
